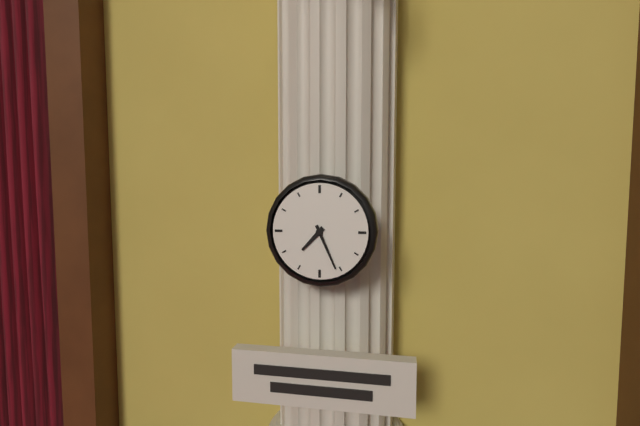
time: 7:26
